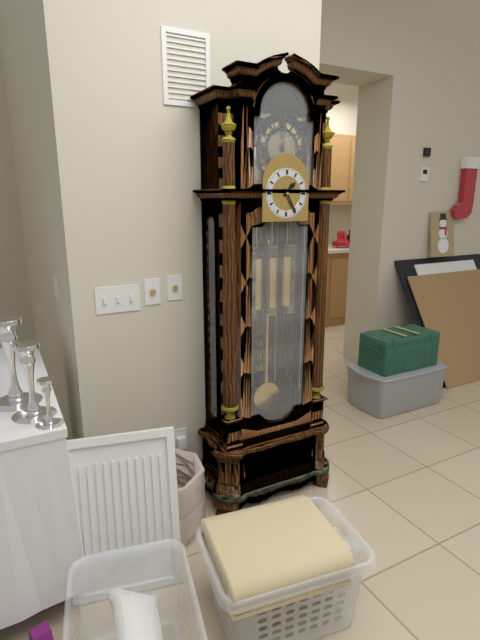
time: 1:25
